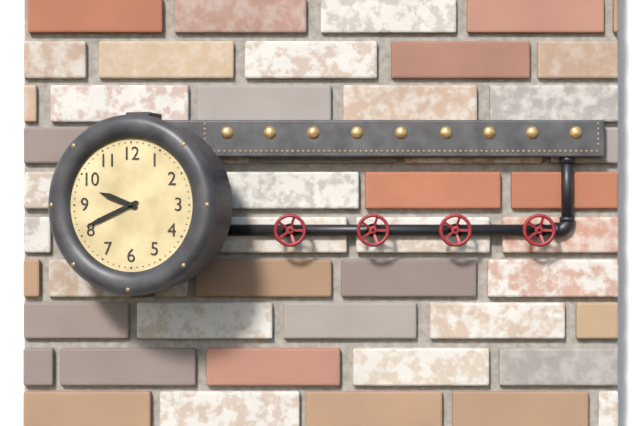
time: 9:41
